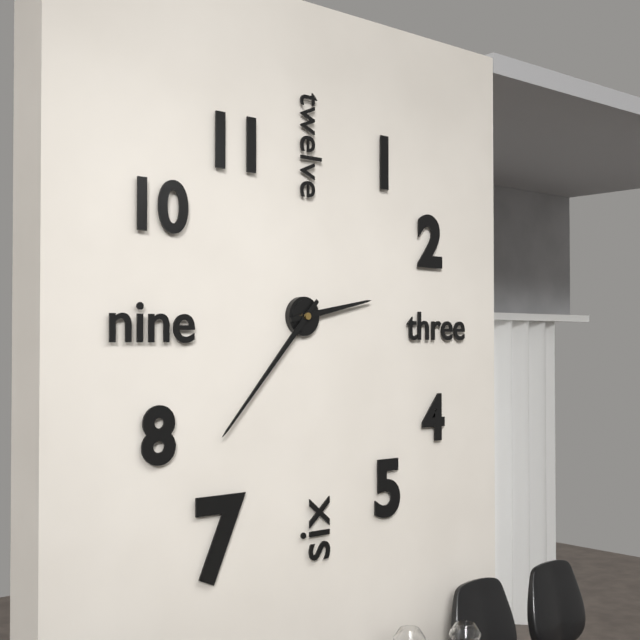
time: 2:37
